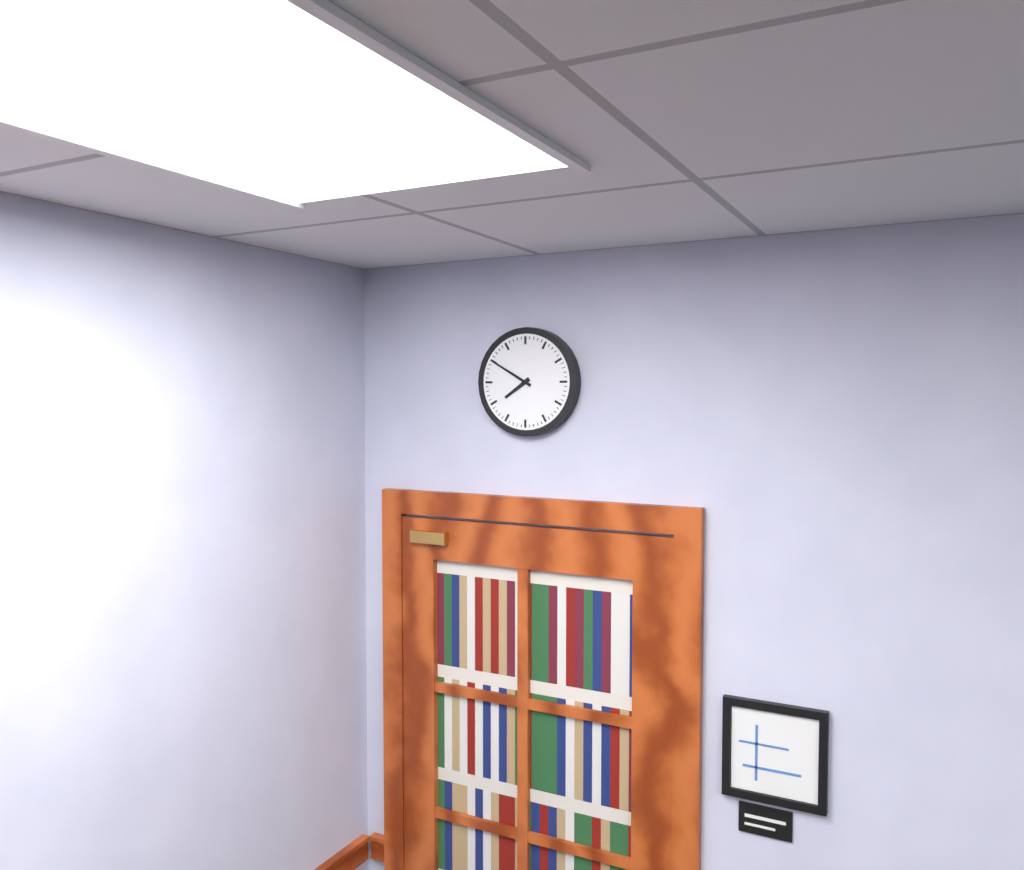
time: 7:50
